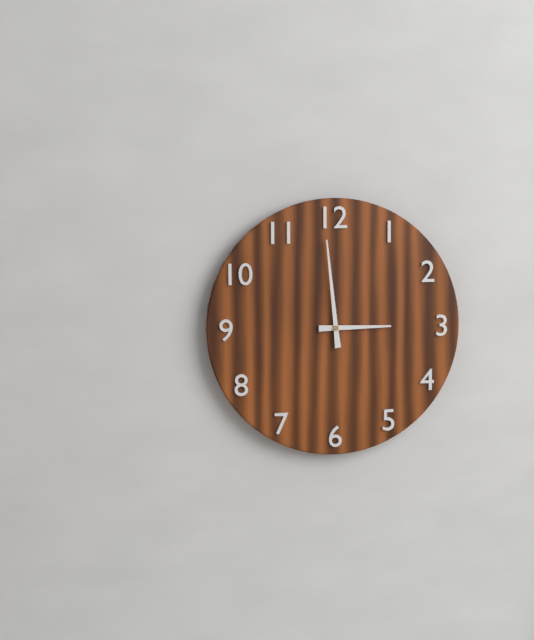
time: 2:59
